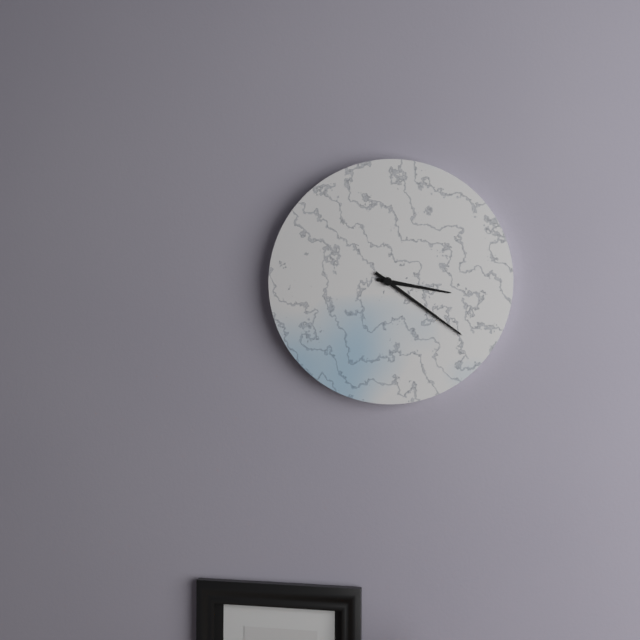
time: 3:21
